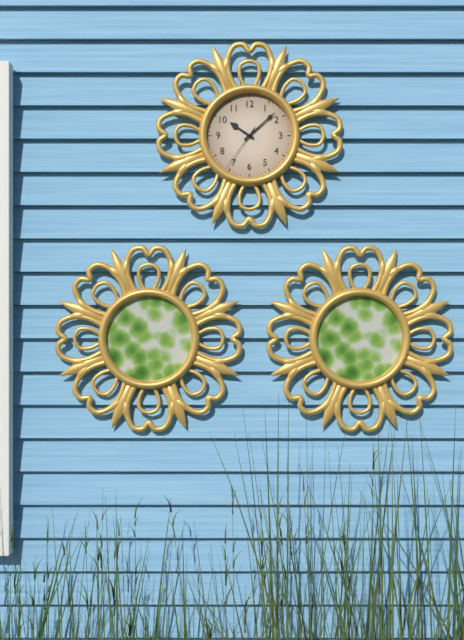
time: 10:08
